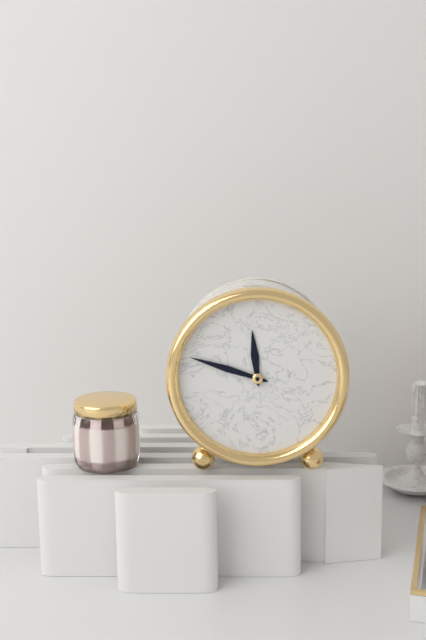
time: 11:48
